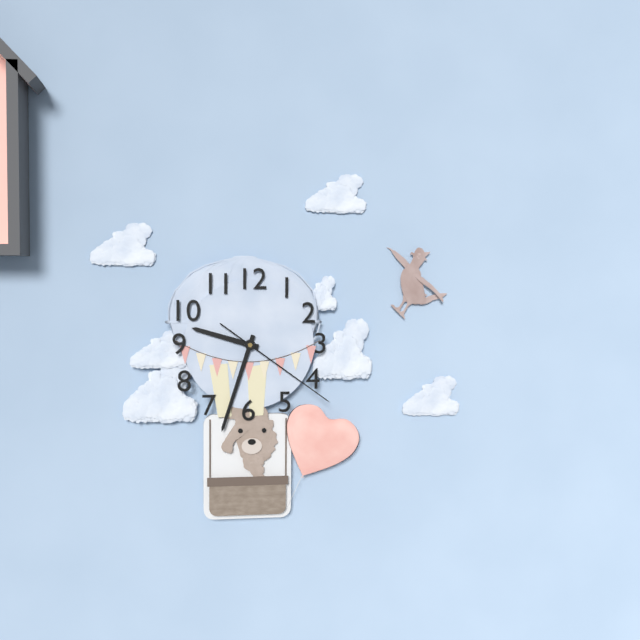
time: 9:33:21
